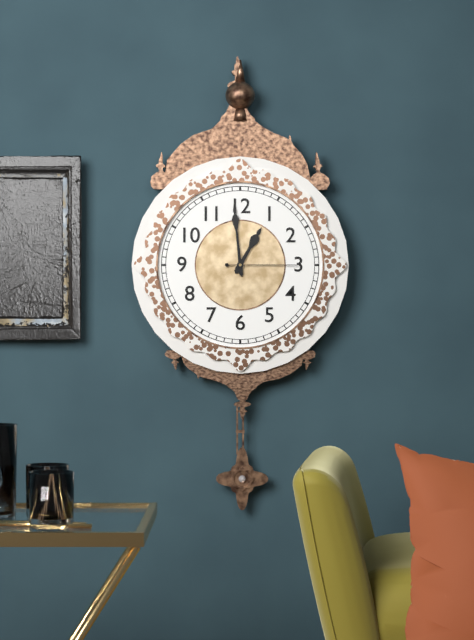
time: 12:59:15
